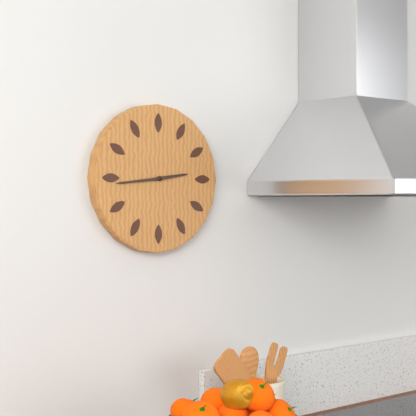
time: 2:44
